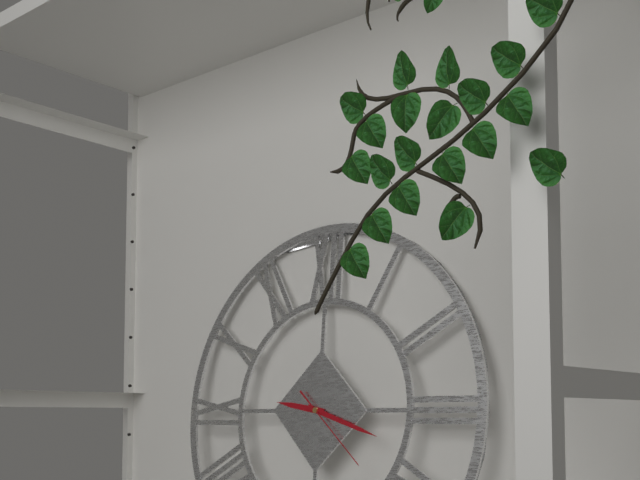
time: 9:18:22
